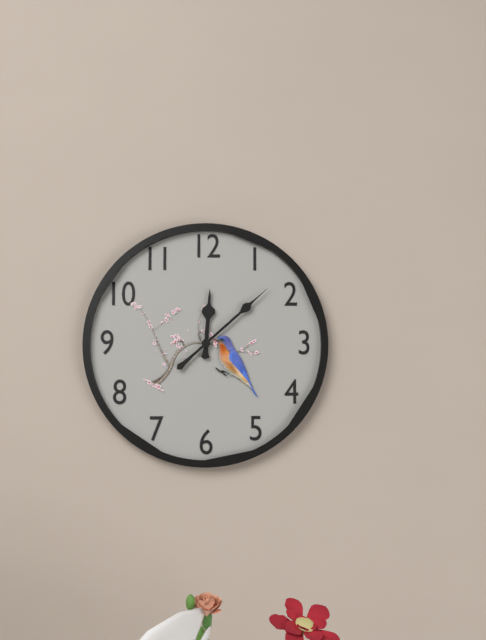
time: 12:08
